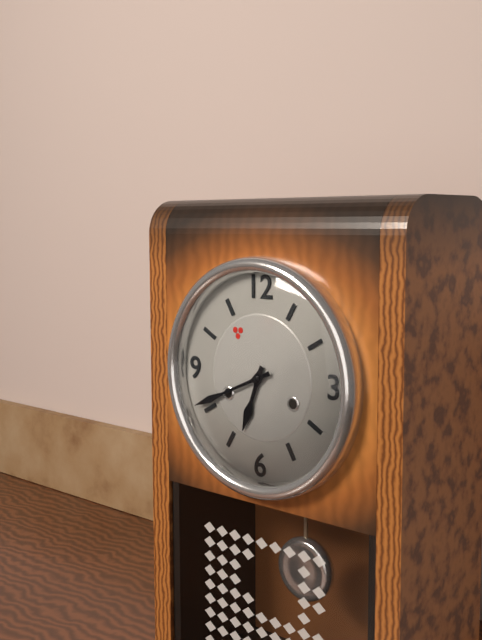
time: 6:41
